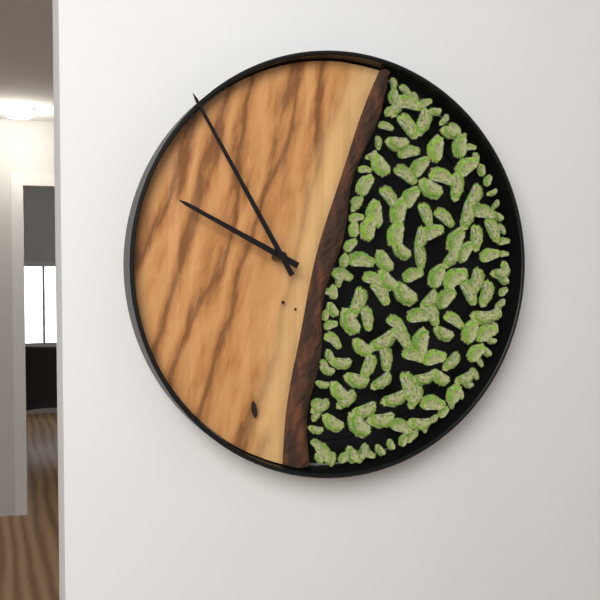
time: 9:55
